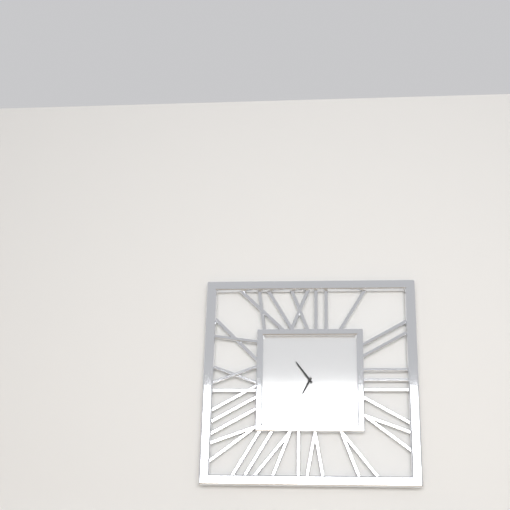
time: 6:54
